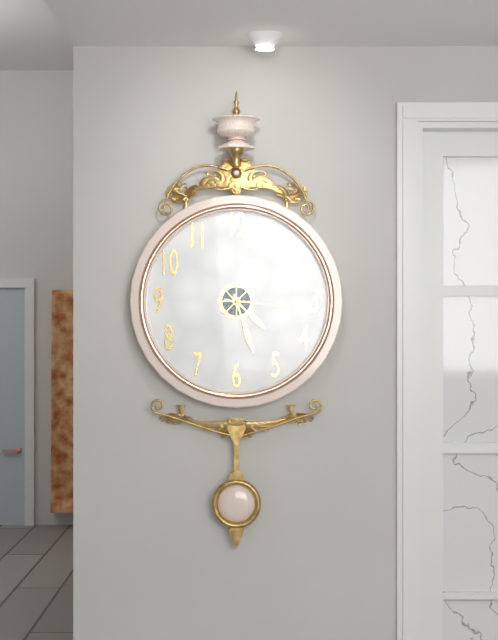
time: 4:27:16
